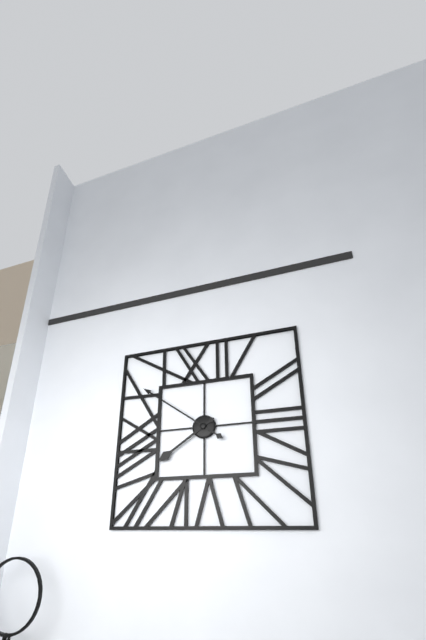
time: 7:51
